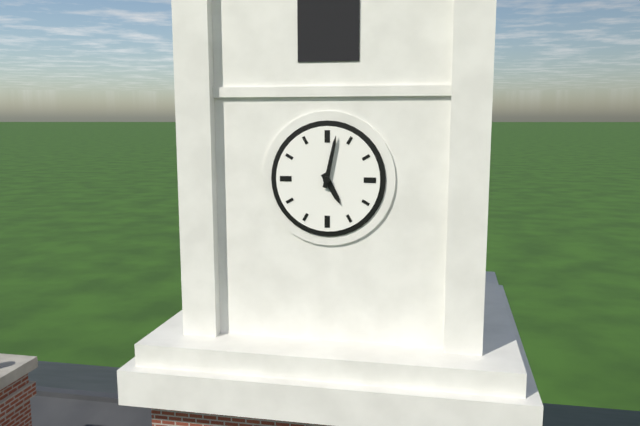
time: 5:02
